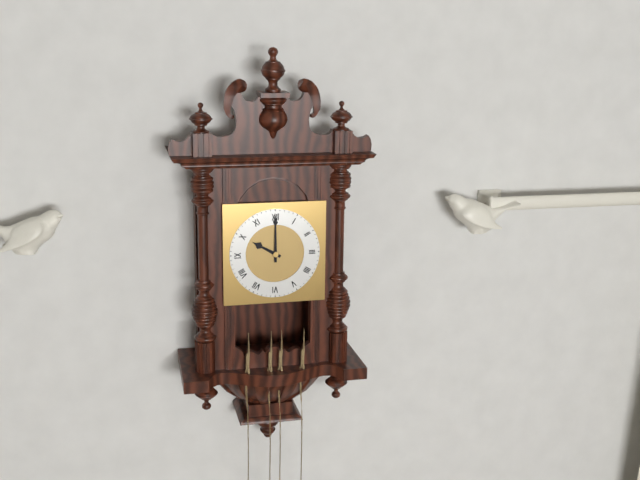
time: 10:00
